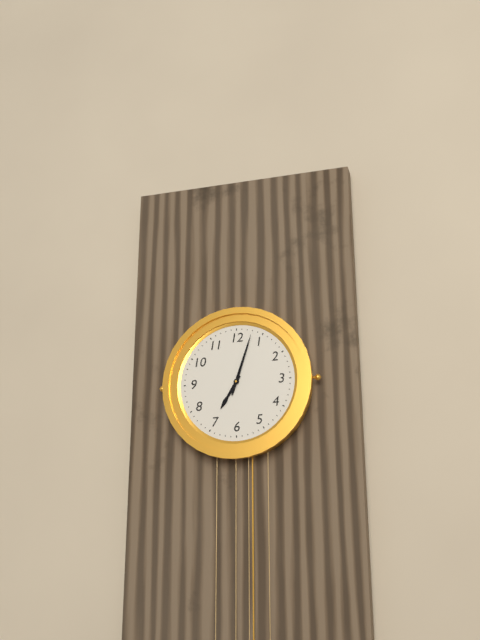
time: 7:03
